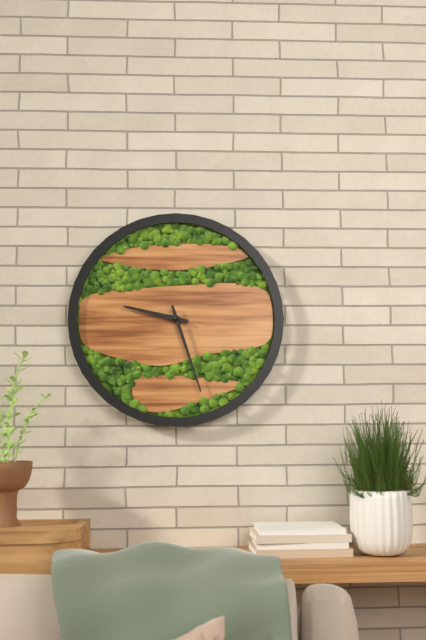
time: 9:27
